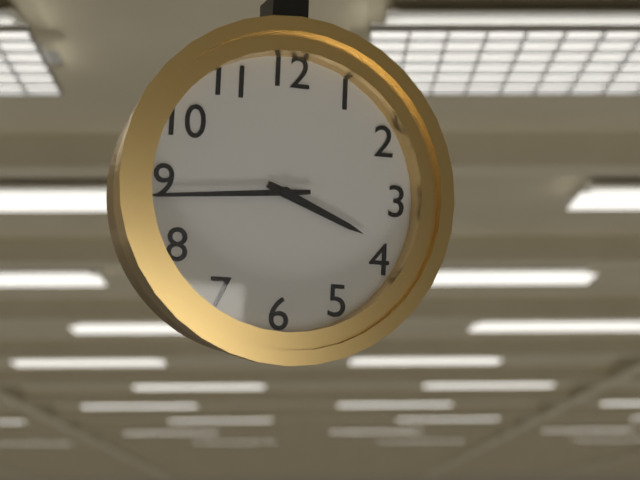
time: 3:44
